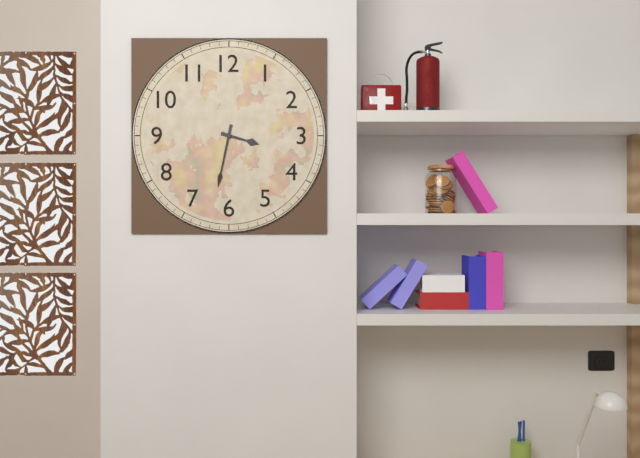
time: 3:32
